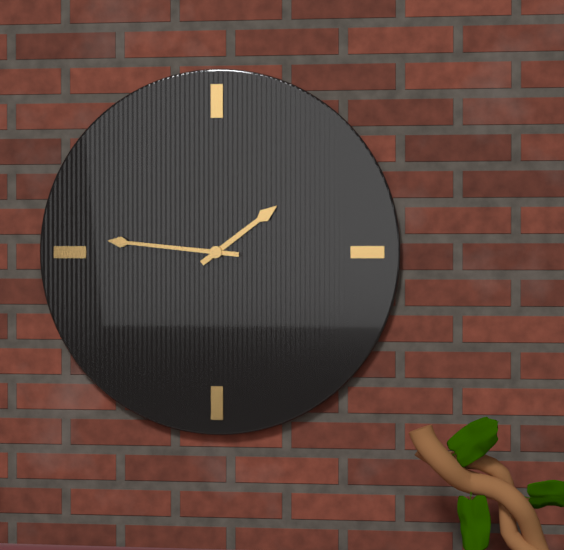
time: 1:46
